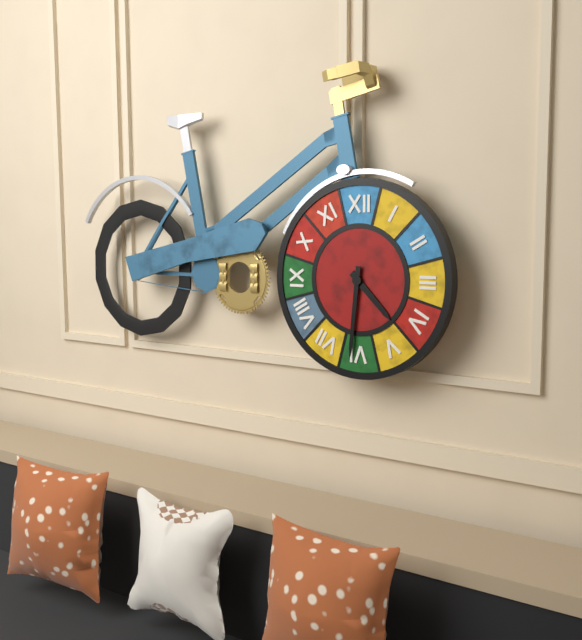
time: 4:31
